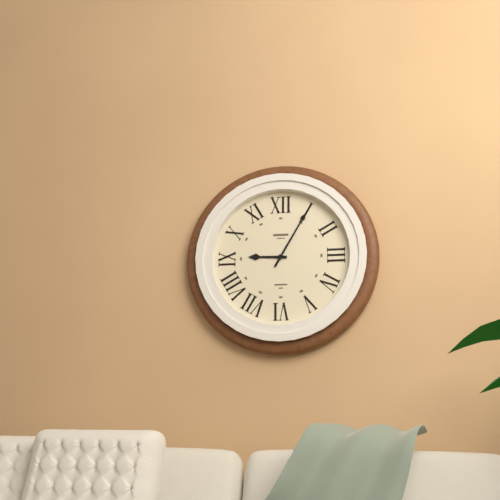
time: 9:05
